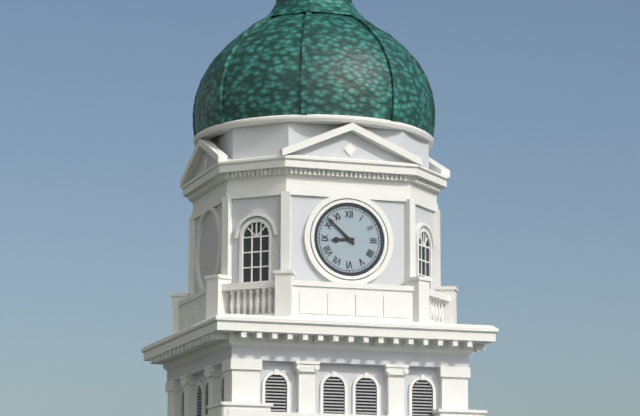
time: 8:52
